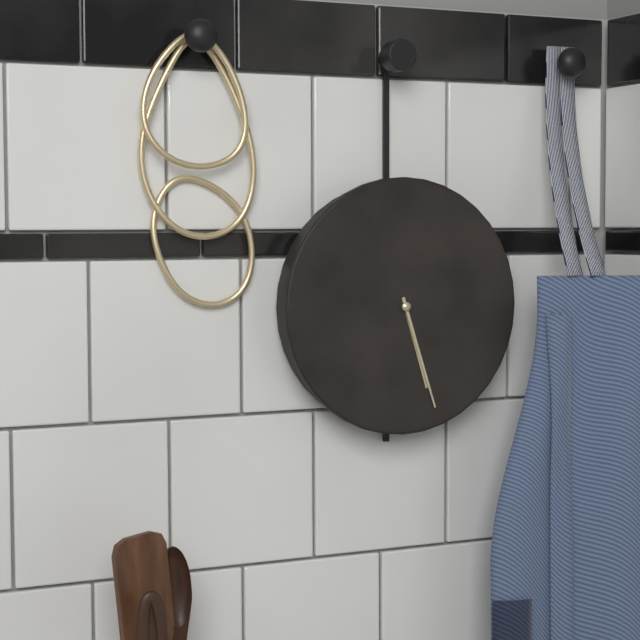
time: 5:27
